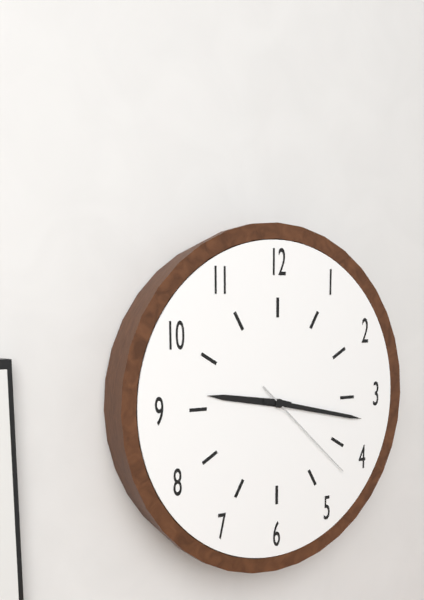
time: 9:17:22
